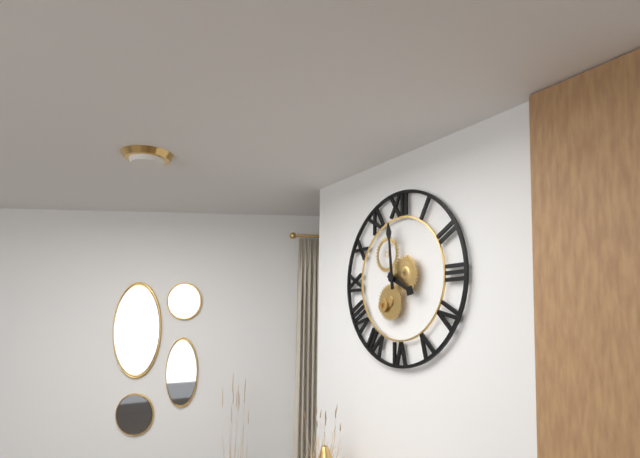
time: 3:59
